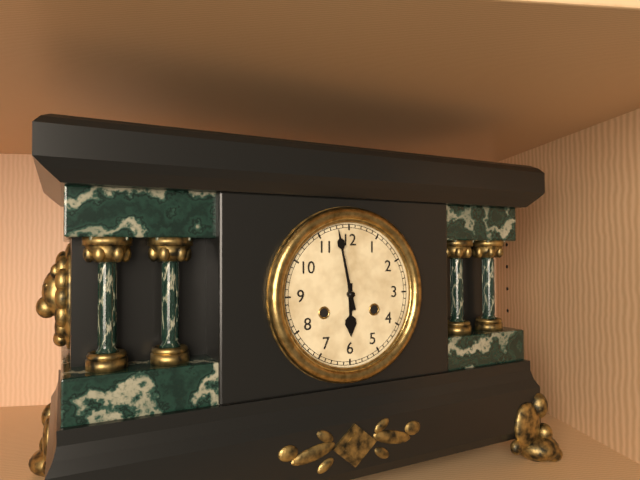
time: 5:58
